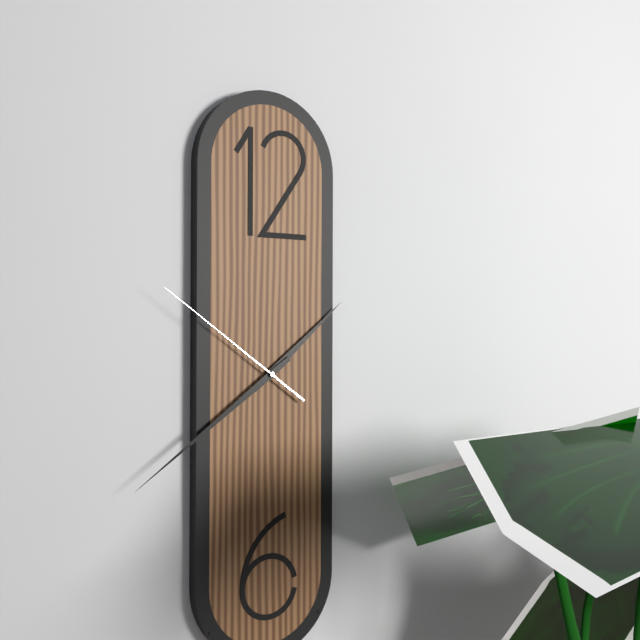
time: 1:39:51
